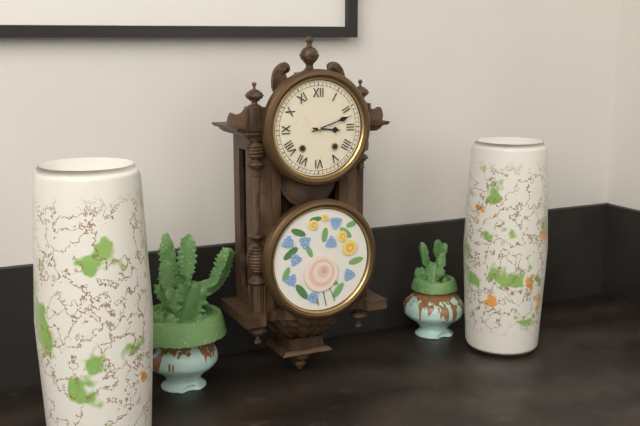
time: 3:12
